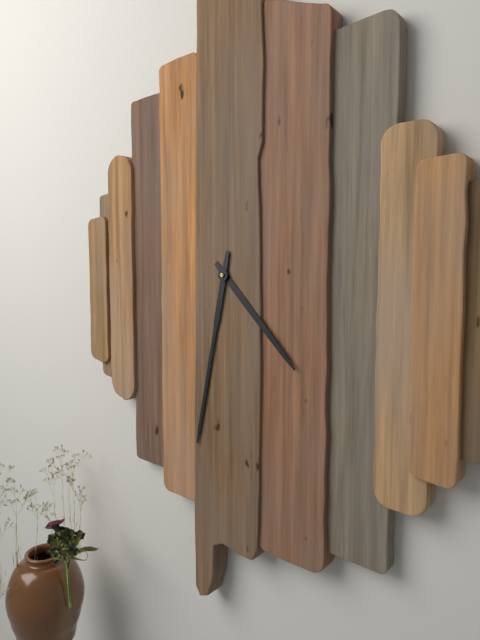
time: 4:32
